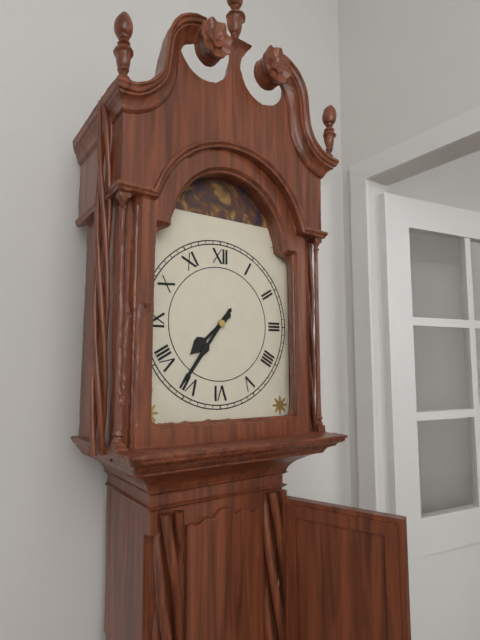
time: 7:36
